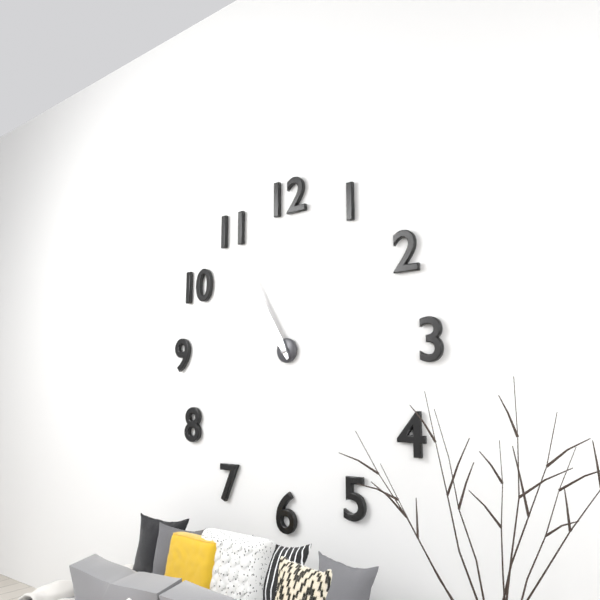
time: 10:55
